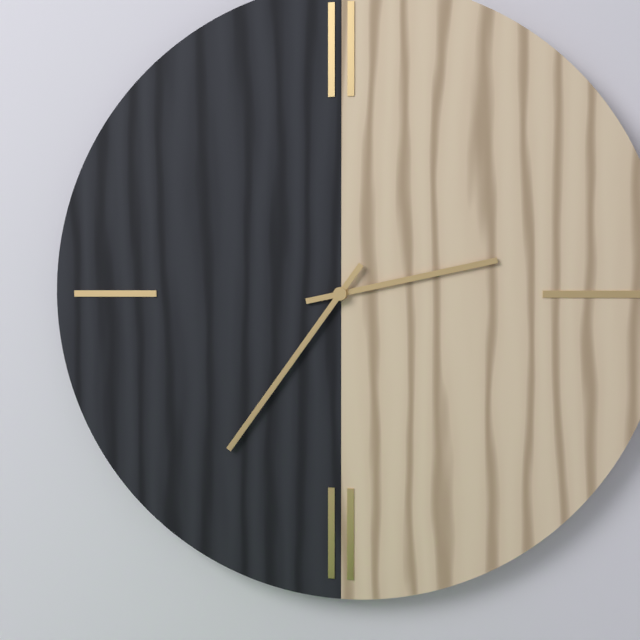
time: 2:36
